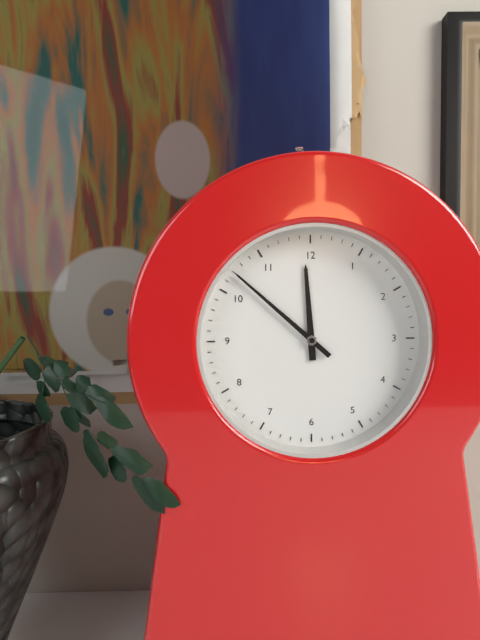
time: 11:52
